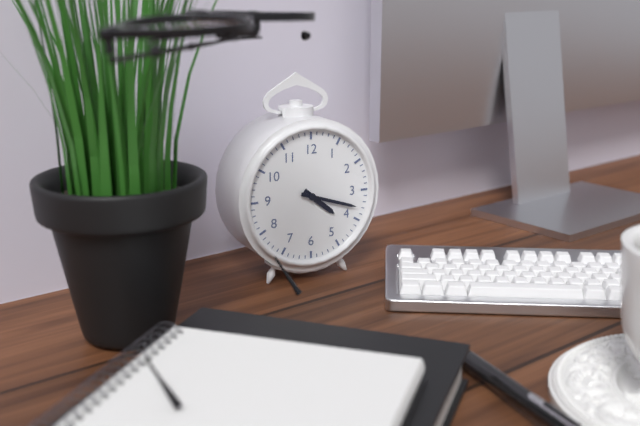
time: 4:18
